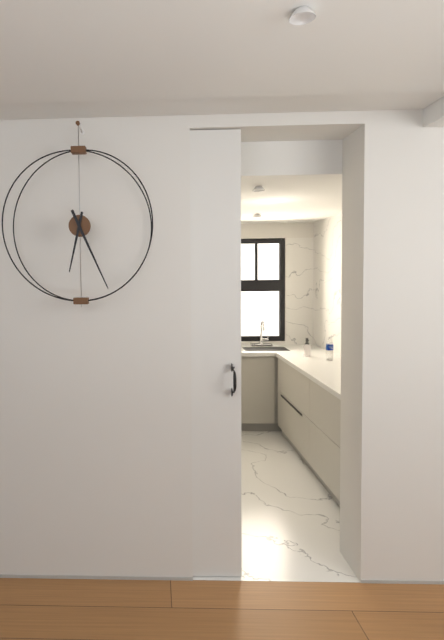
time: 6:26
